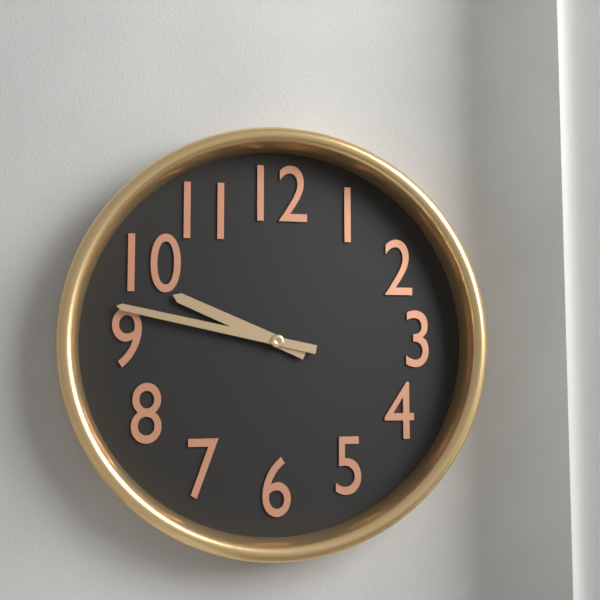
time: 9:47
